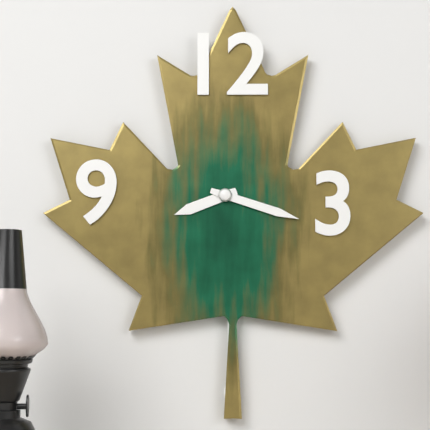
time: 8:18
